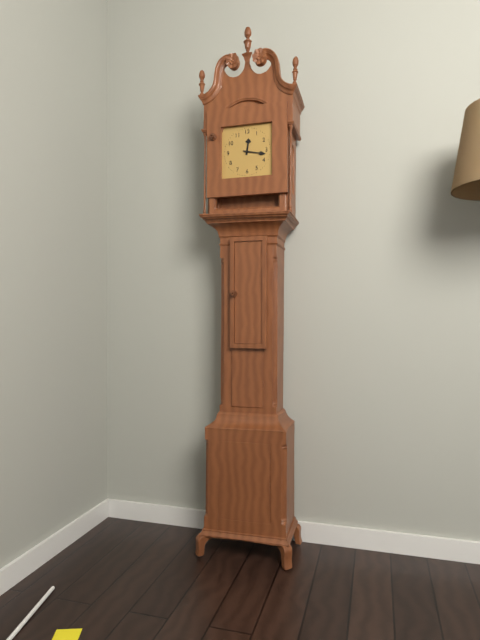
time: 12:17
